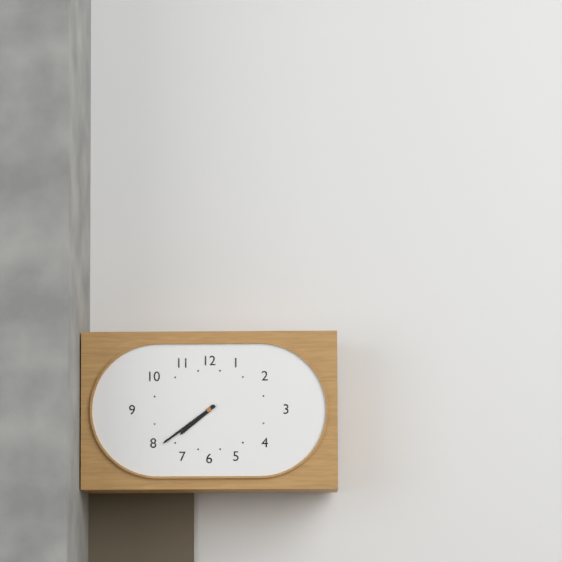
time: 7:39
